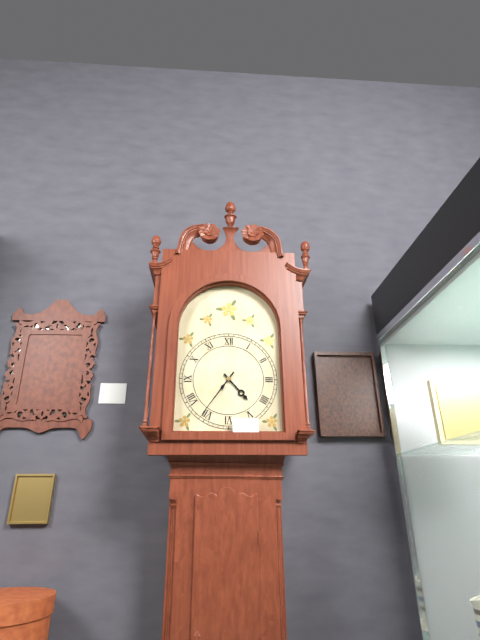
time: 4:36
